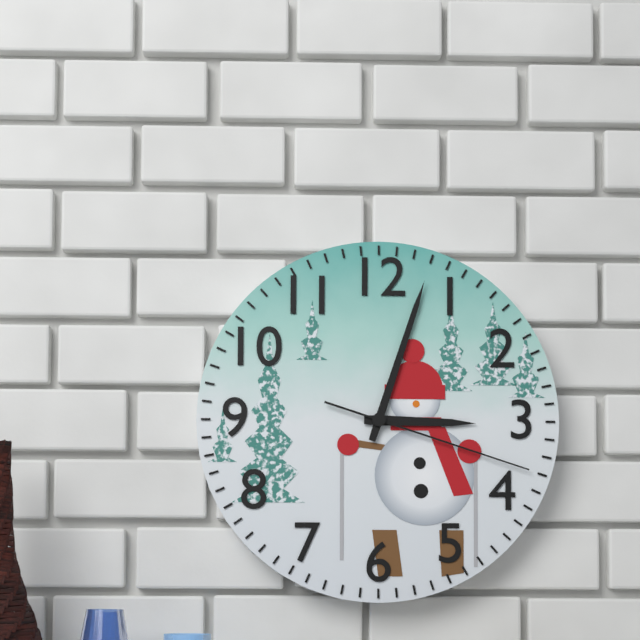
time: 3:03:18
